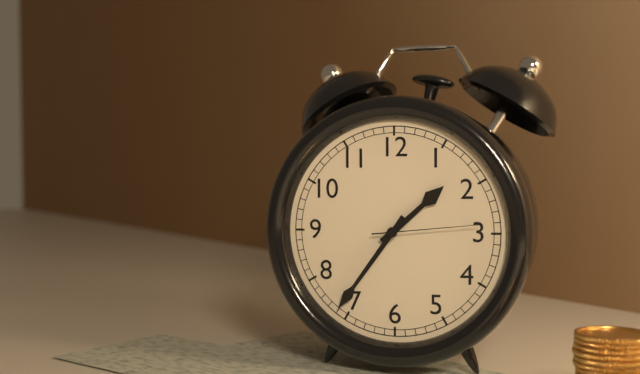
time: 1:36:14
